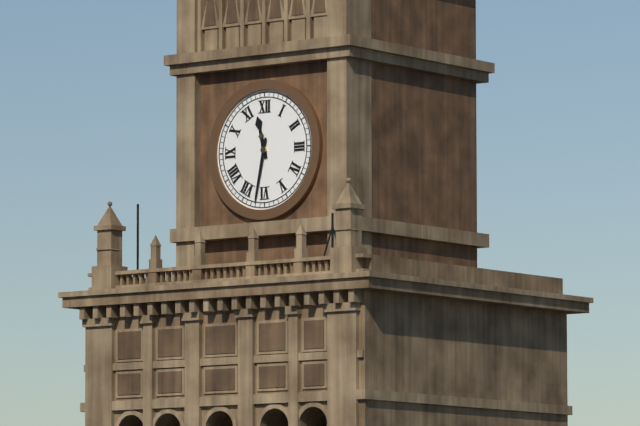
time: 11:32
